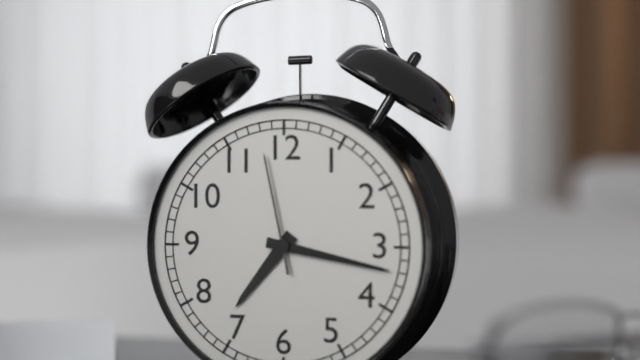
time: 7:17:58
